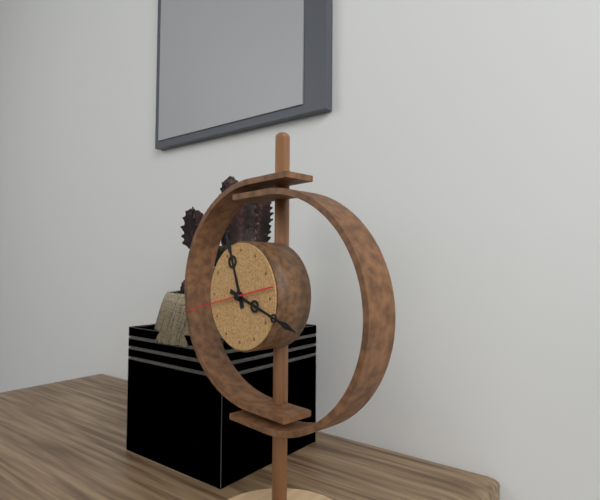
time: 11:18:43
